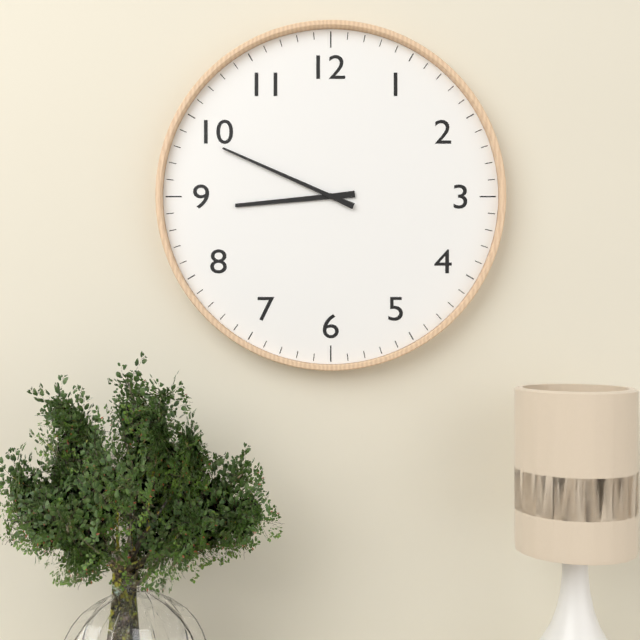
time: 8:49
